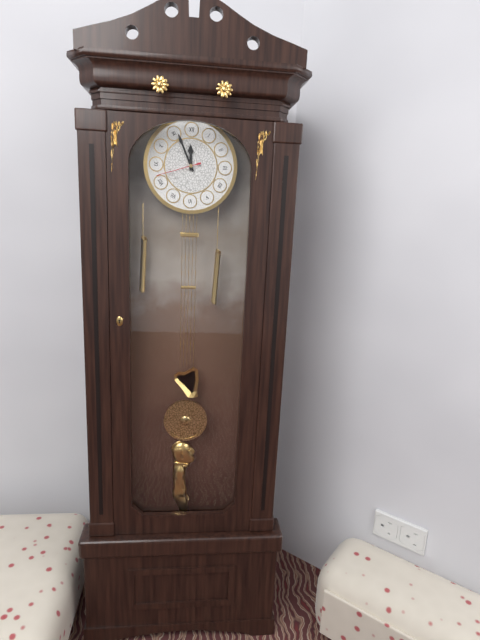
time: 11:56
